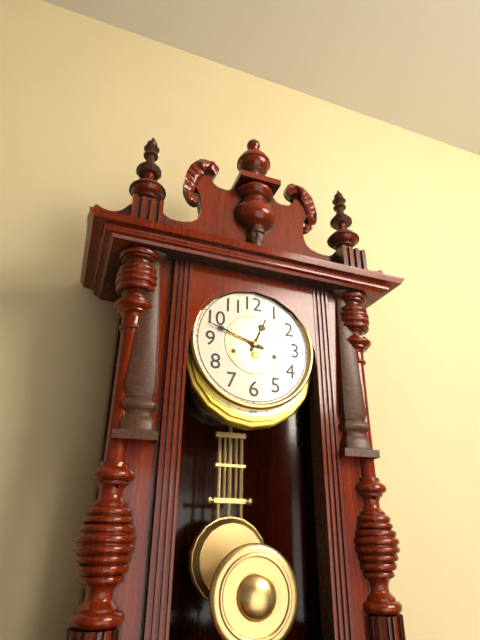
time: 12:48
